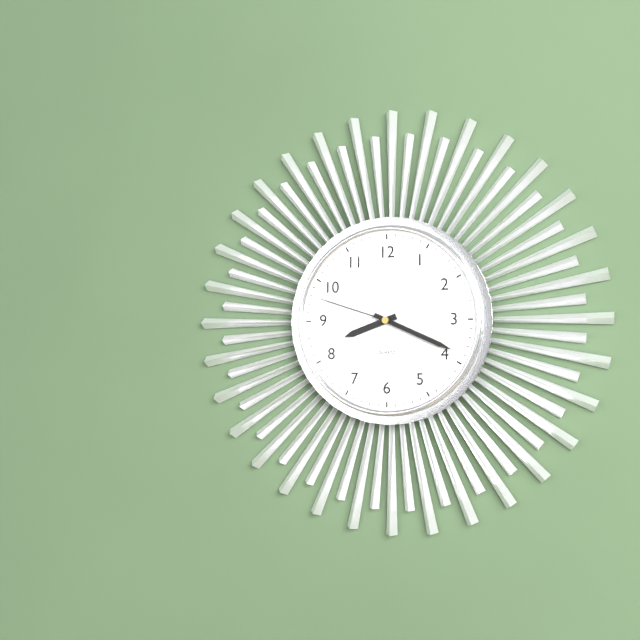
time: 8:19:48
